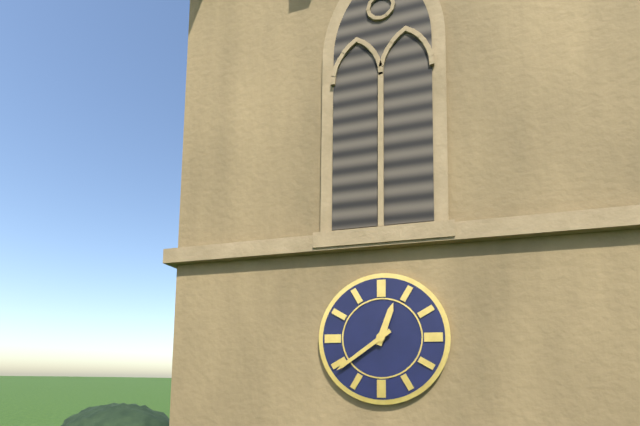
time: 12:39
